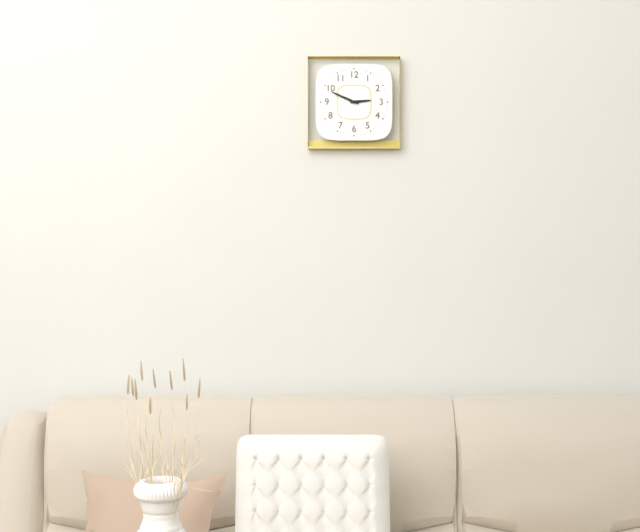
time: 2:49
